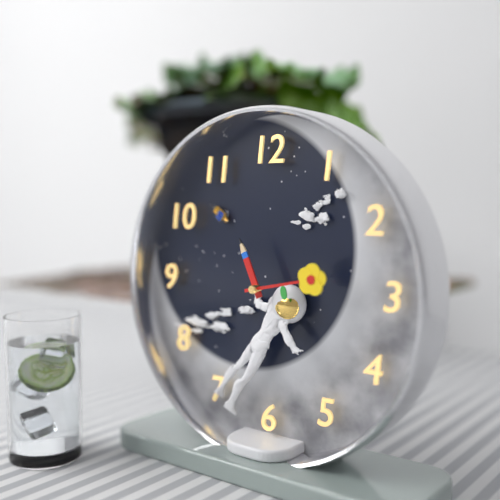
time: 11:13
